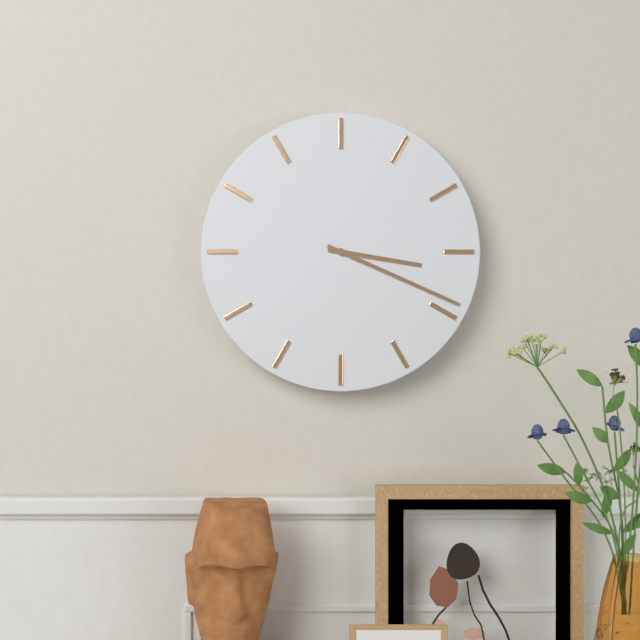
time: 3:19
